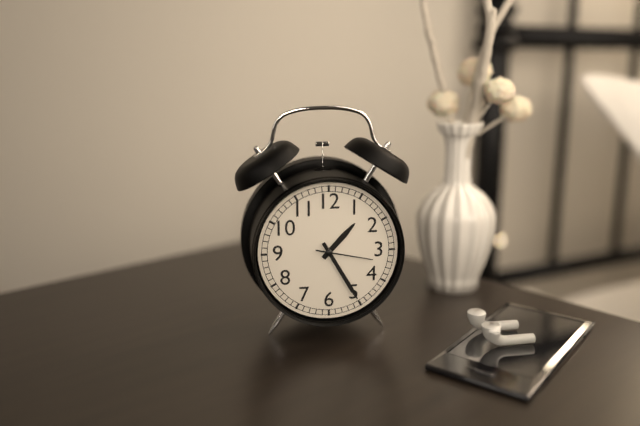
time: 1:25:17
